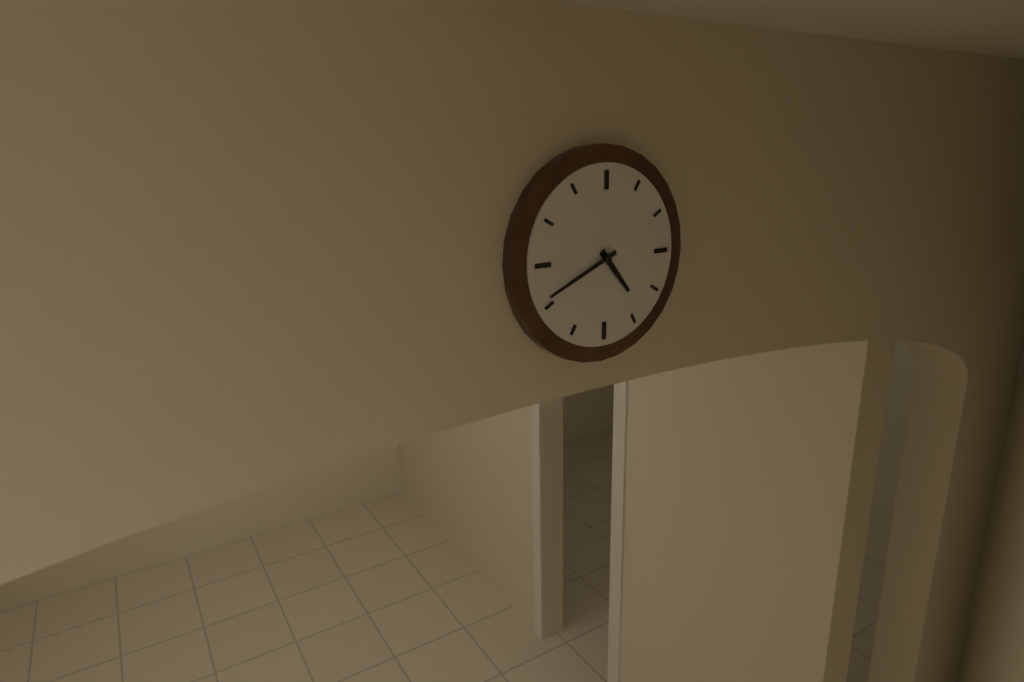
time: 4:41
